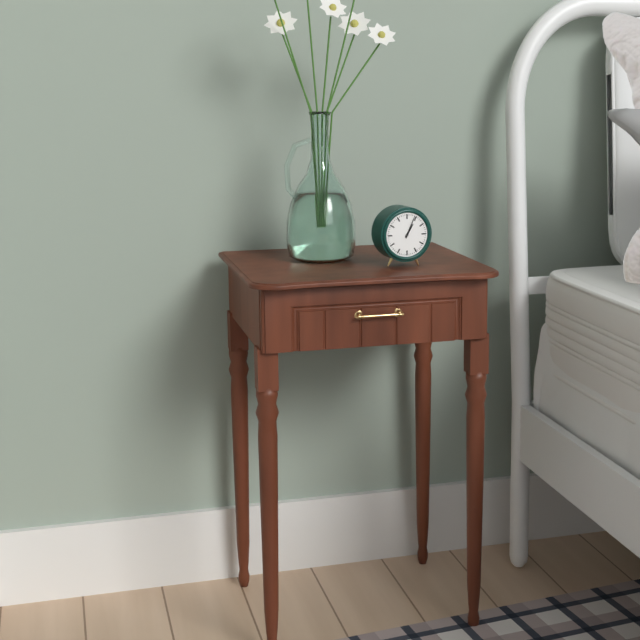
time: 1:04
